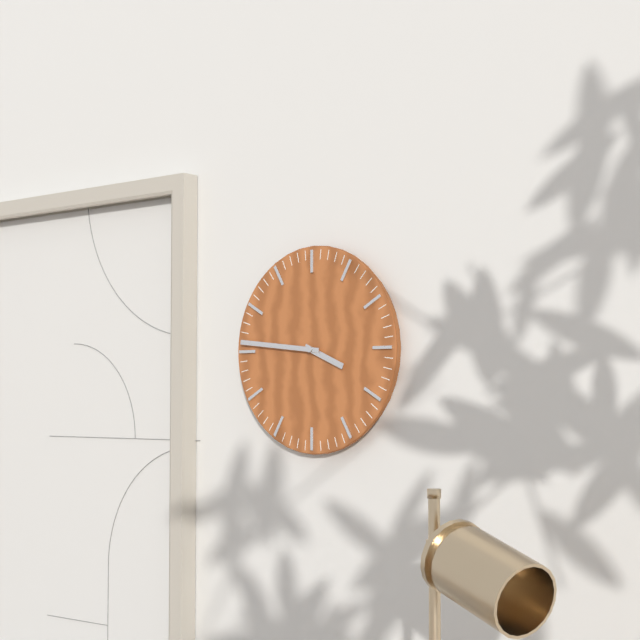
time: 3:46
